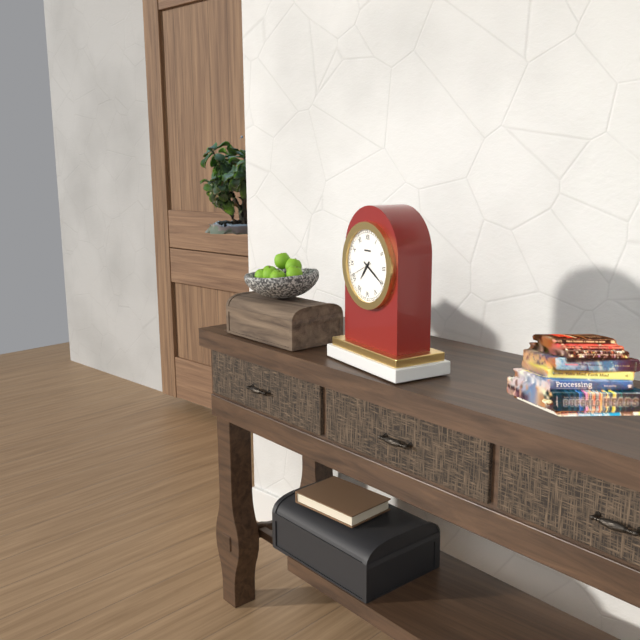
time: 7:20
